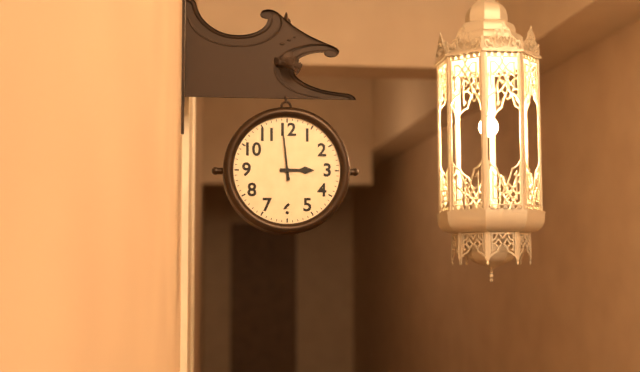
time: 2:59
